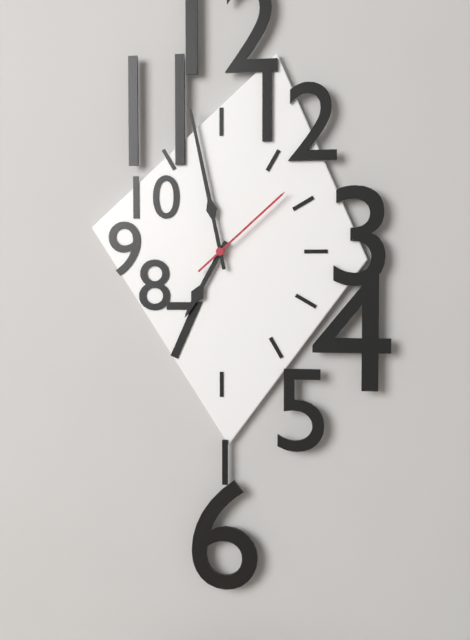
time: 6:58:08
